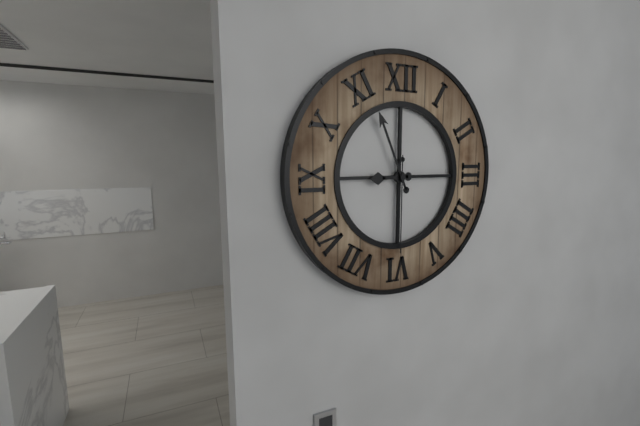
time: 8:56:30
